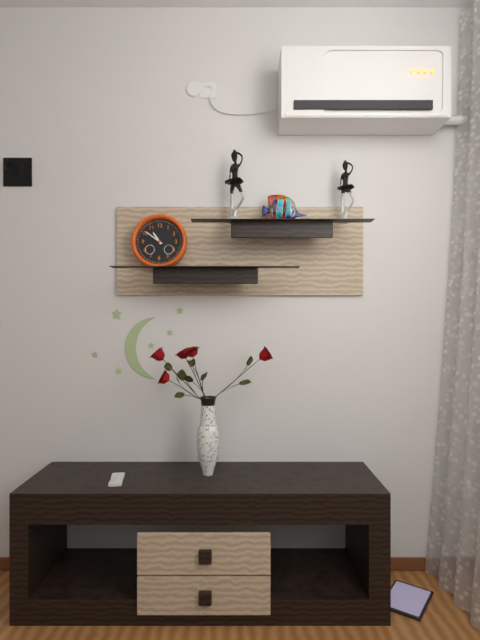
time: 10:51
